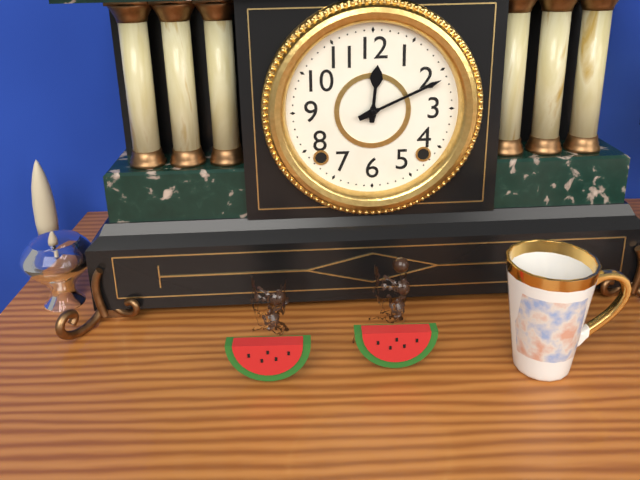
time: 12:11
